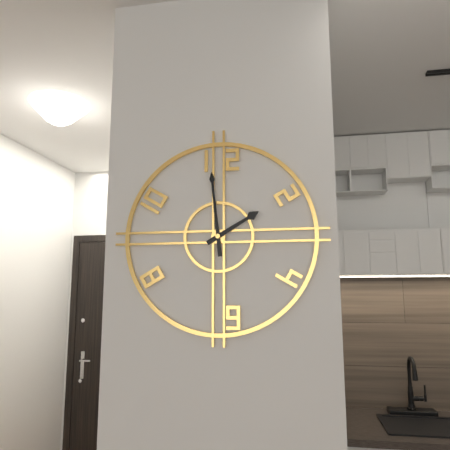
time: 1:59
